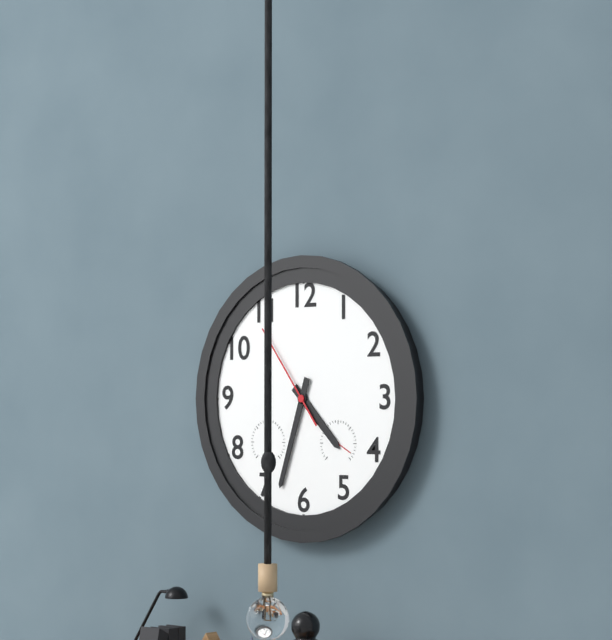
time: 4:33:54
